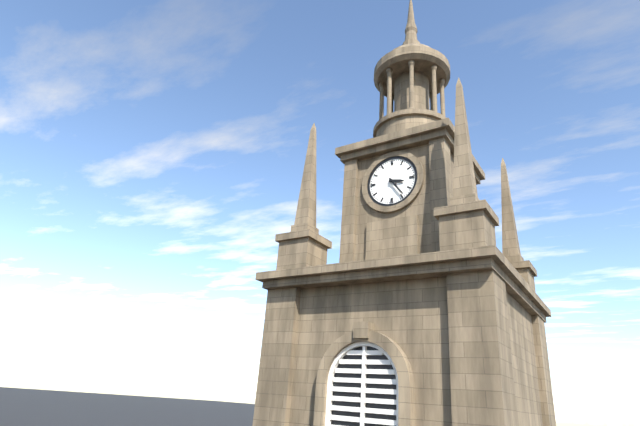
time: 3:24
